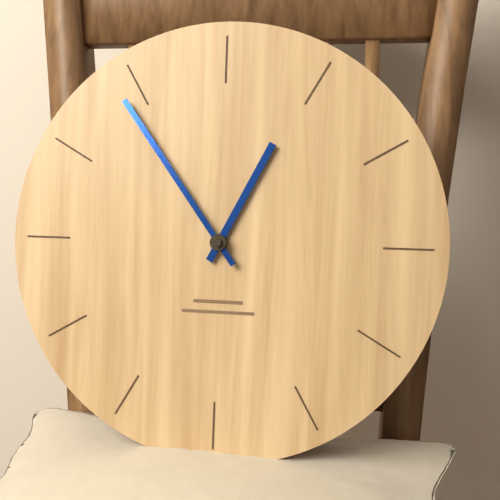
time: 12:54
